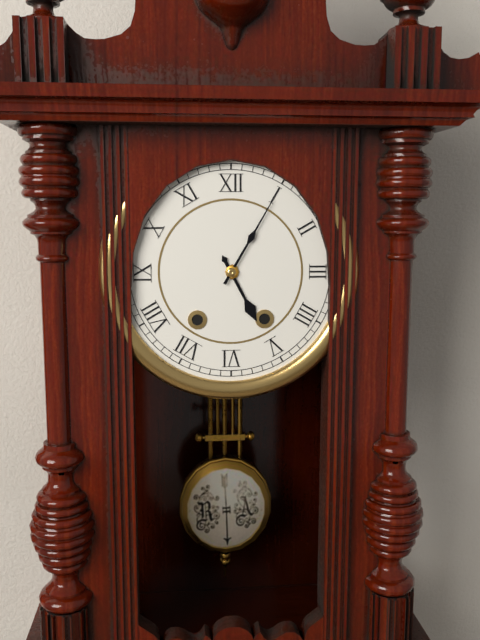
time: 5:05
